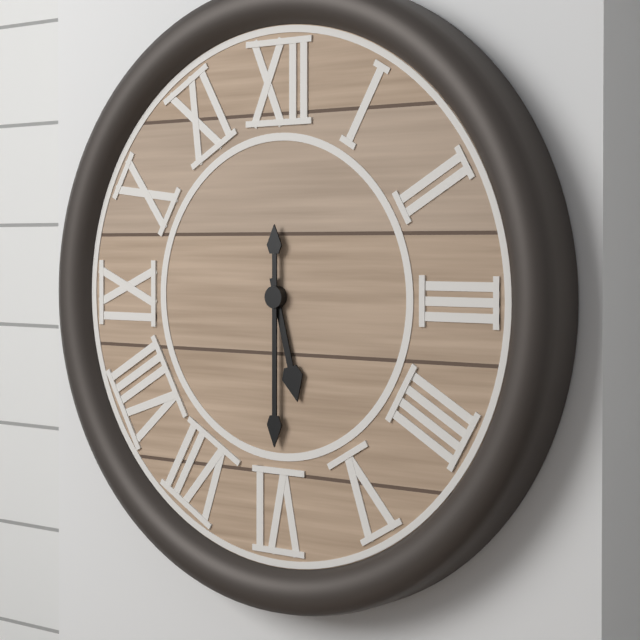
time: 5:30
